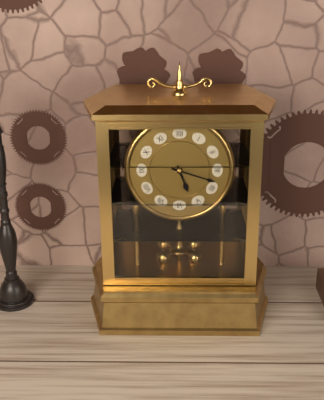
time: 5:18
